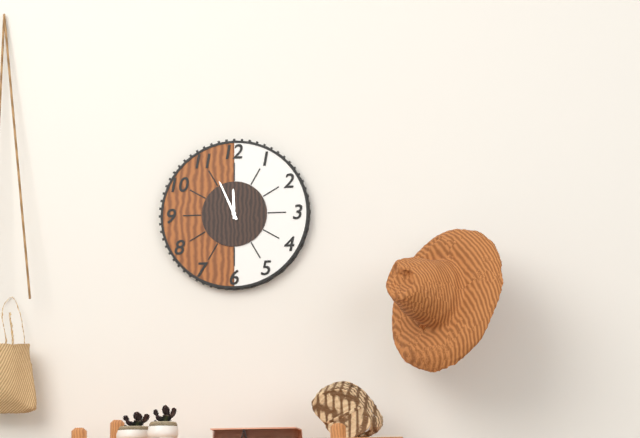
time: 11:56
